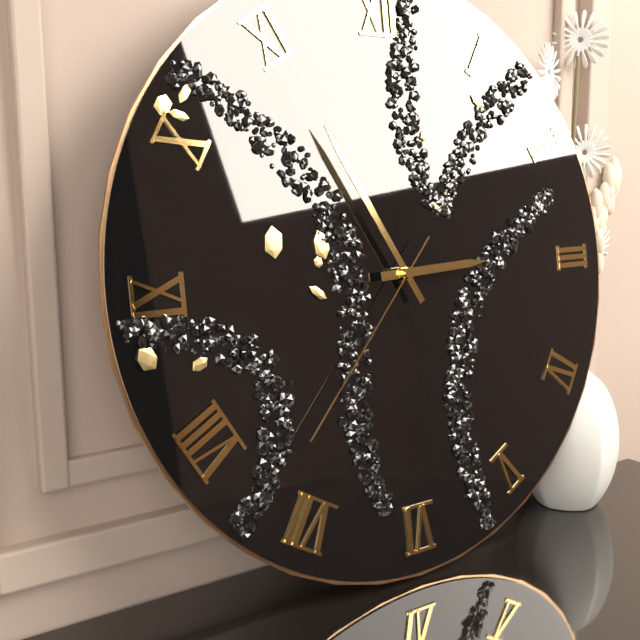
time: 2:55:37
